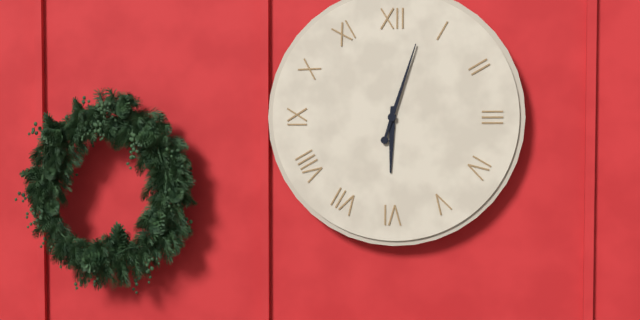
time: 6:03
